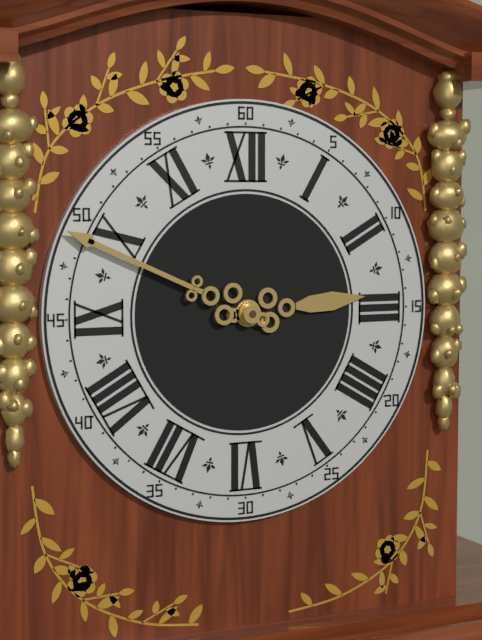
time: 2:49
